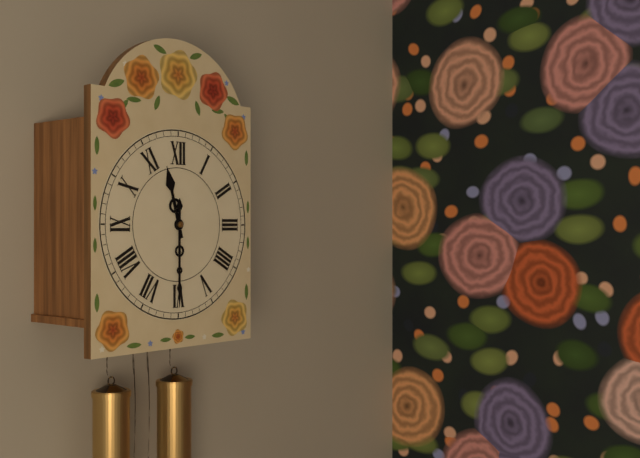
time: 11:30
